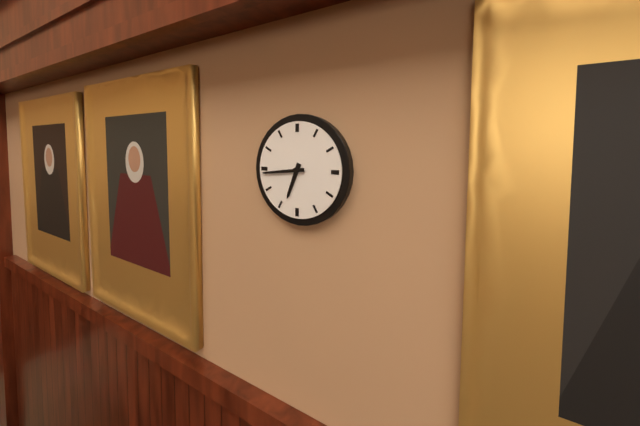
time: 6:44
